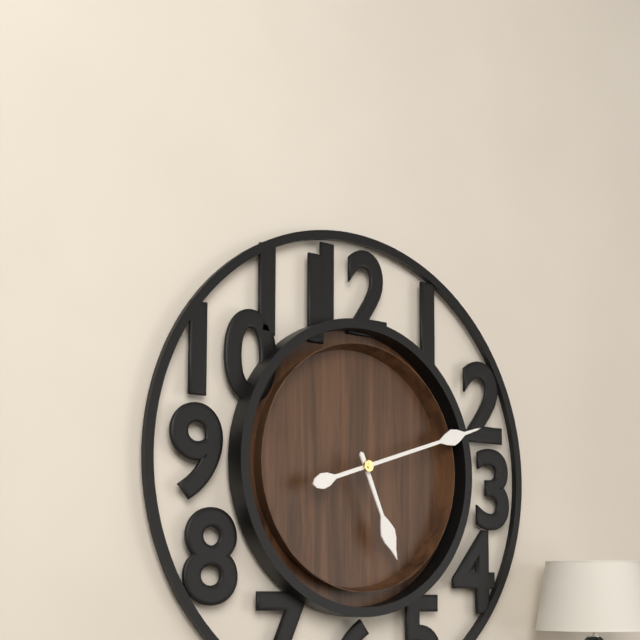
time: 5:12
